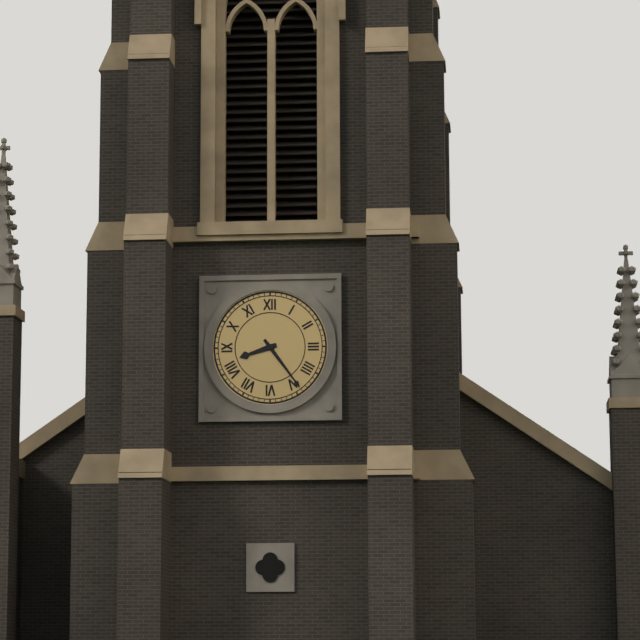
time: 8:24
